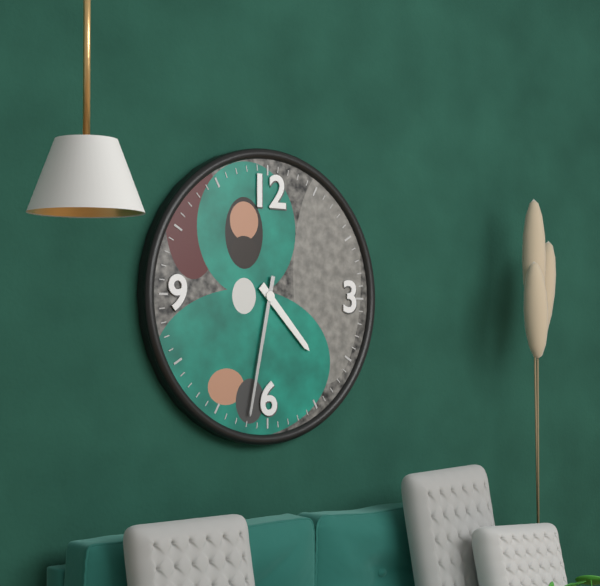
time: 4:32
